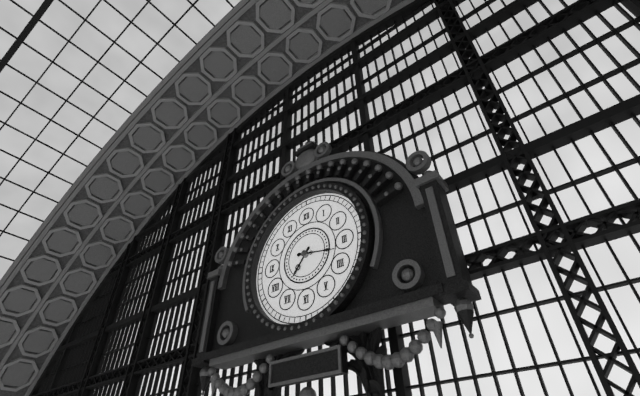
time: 7:17
